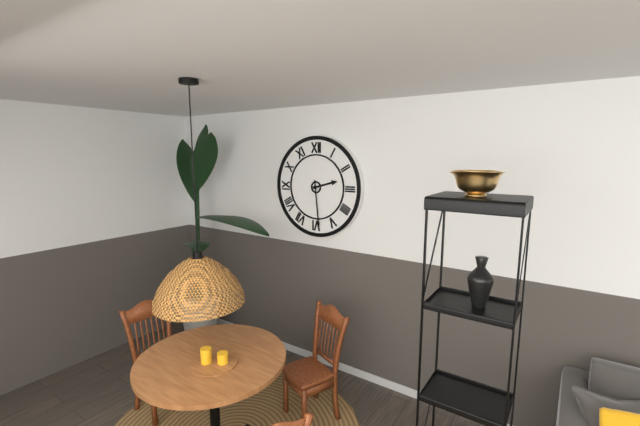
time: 2:29
